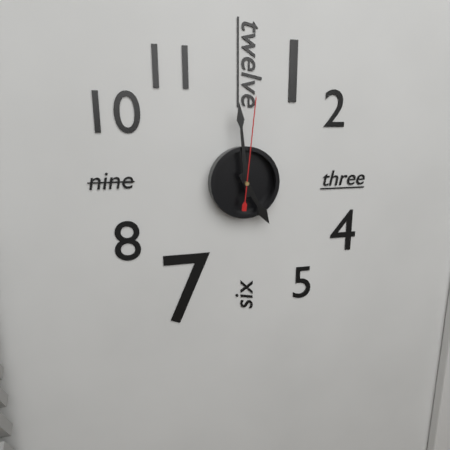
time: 4:59:01
